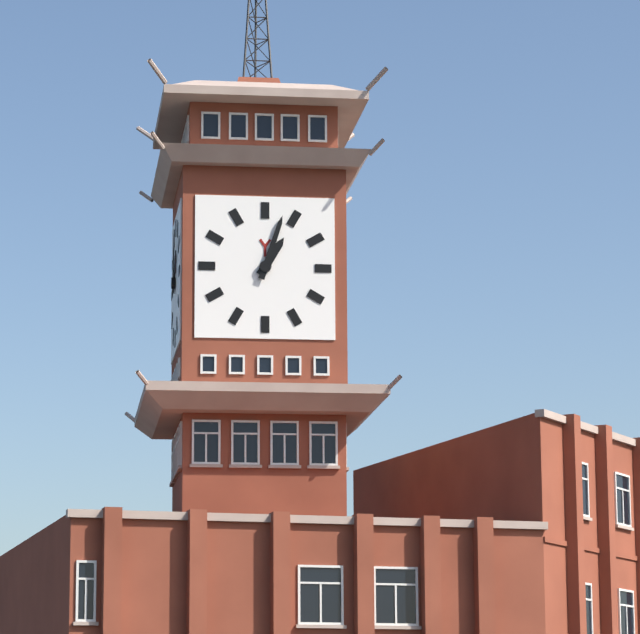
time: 1:03
